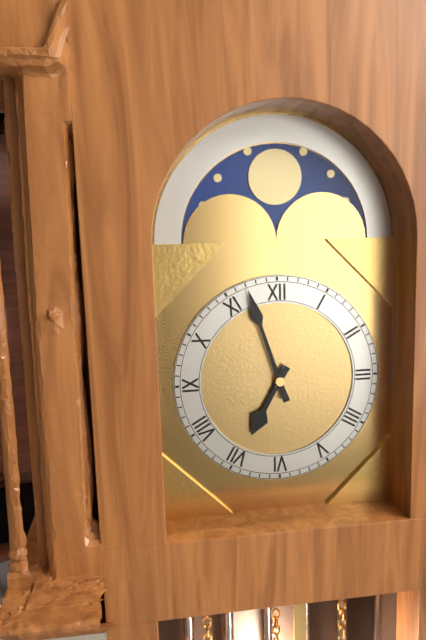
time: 6:57
